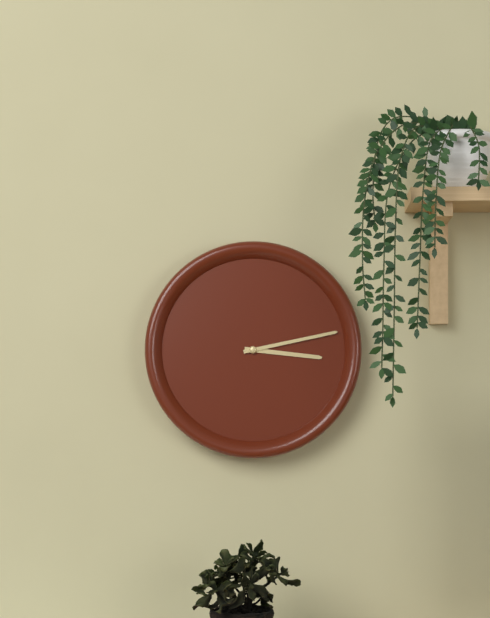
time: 3:13
